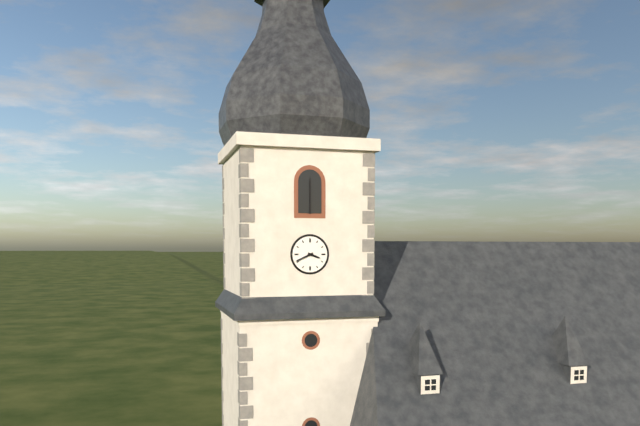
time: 3:41
